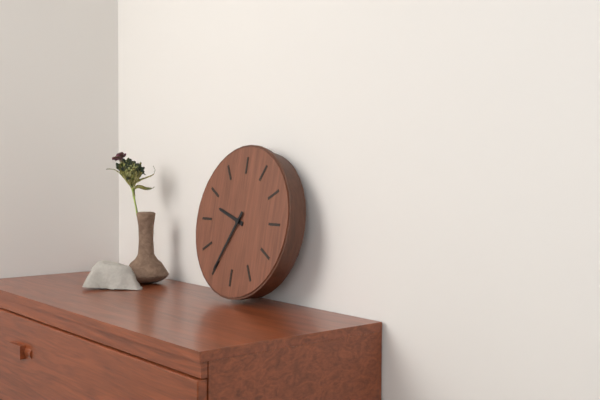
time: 9:35
